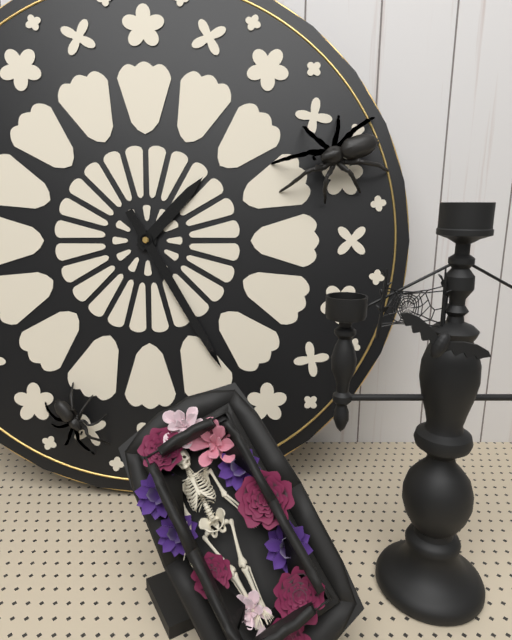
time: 1:25
